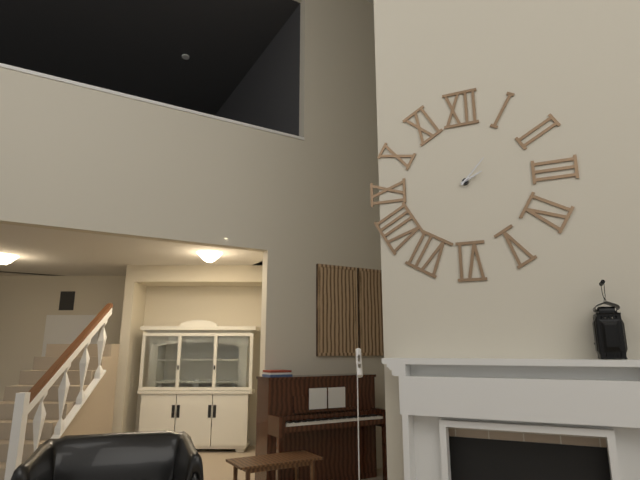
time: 2:07
